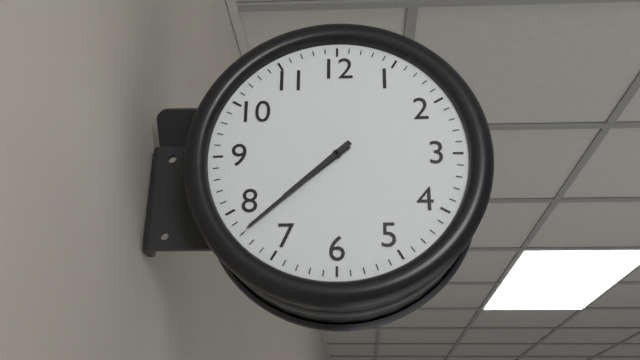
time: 7:38
